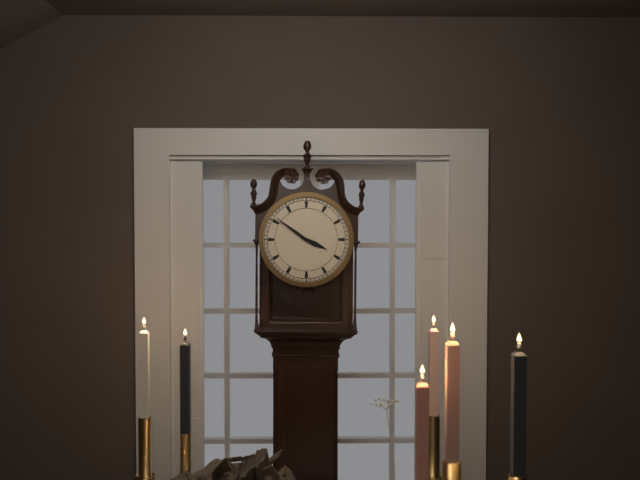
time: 3:51
